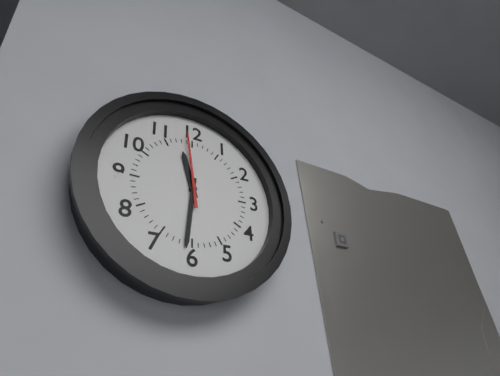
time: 11:31:59
